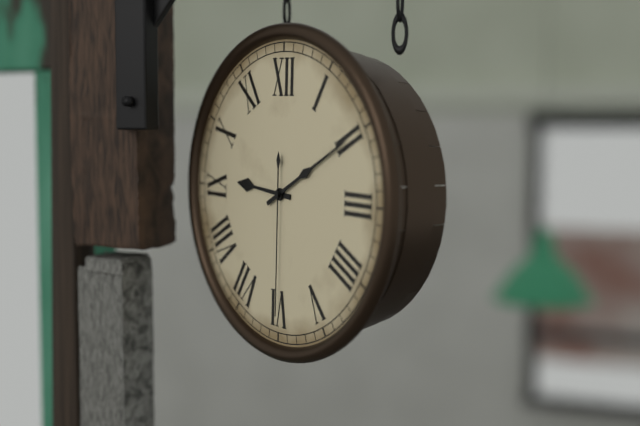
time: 9:10:30
